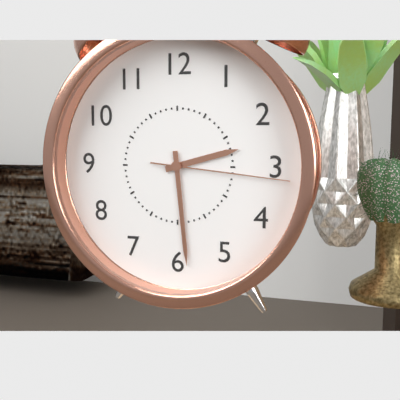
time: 2:29:16
